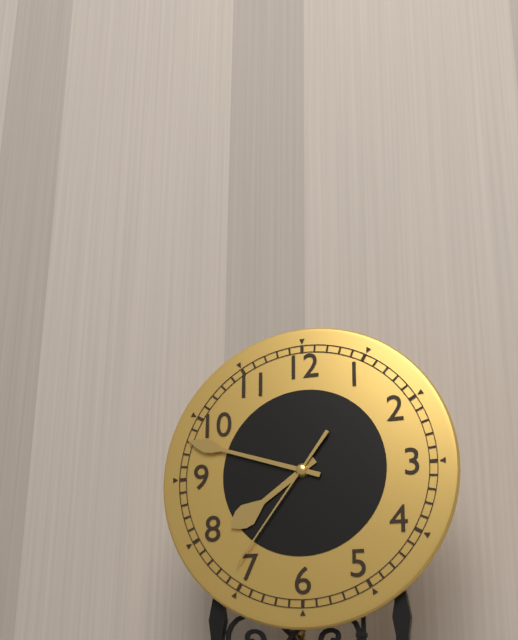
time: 7:48:36
